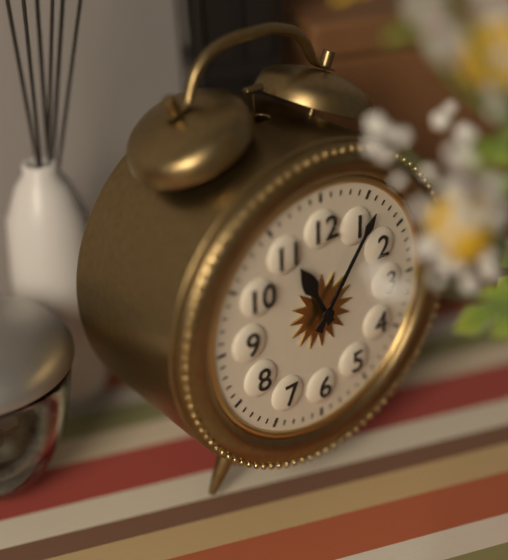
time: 11:06
